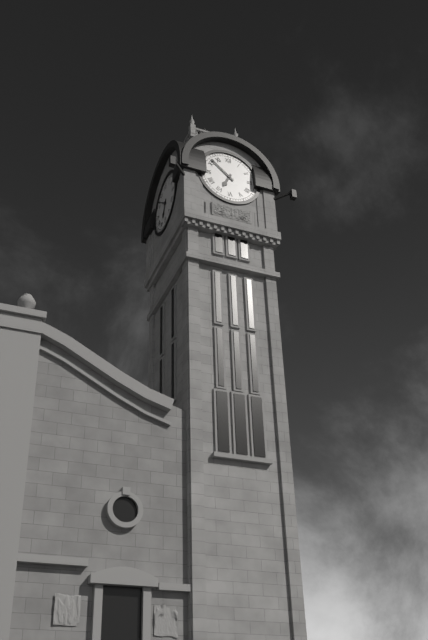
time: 6:52
